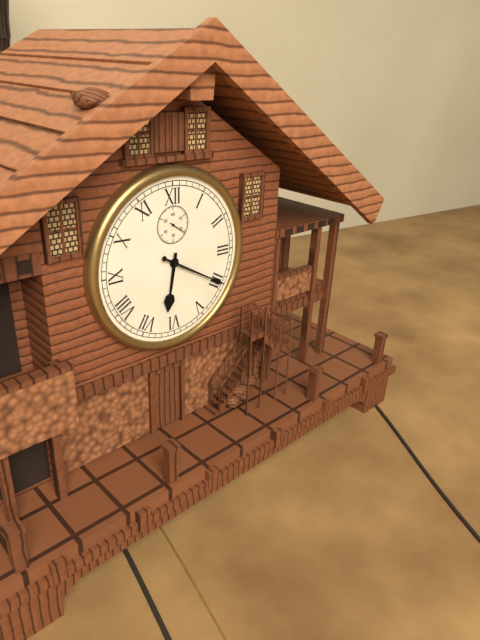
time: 6:20
